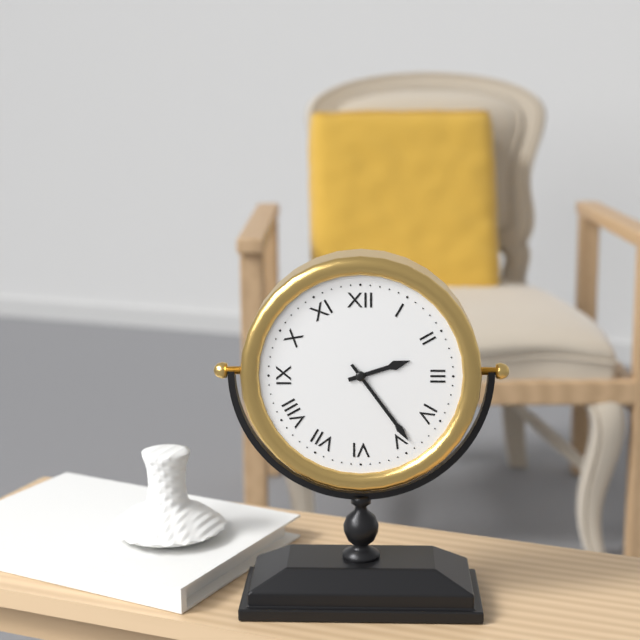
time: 2:24
